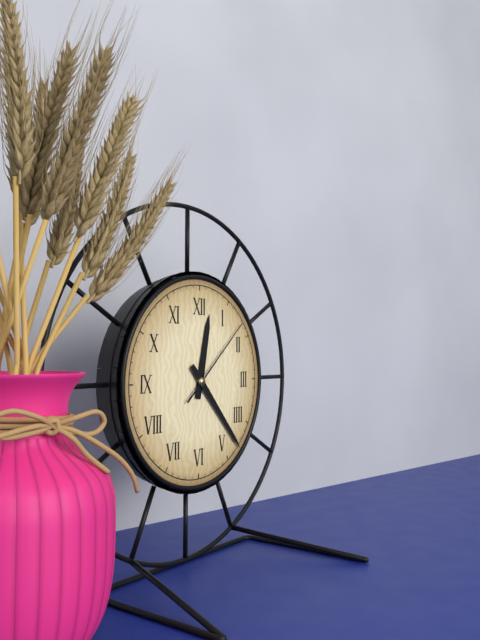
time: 12:23:08
